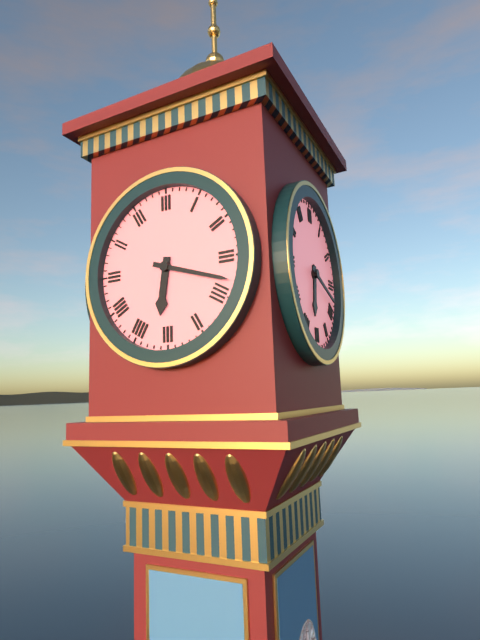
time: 6:18
